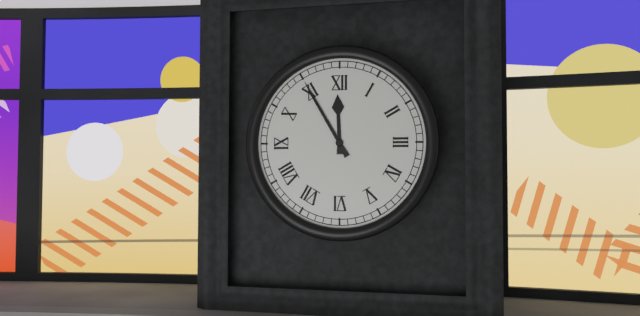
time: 11:55
